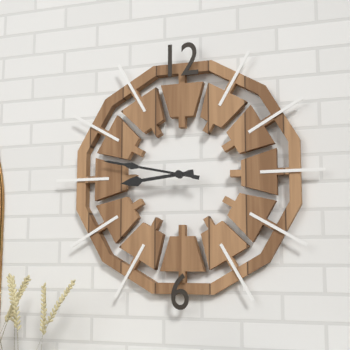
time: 8:47
